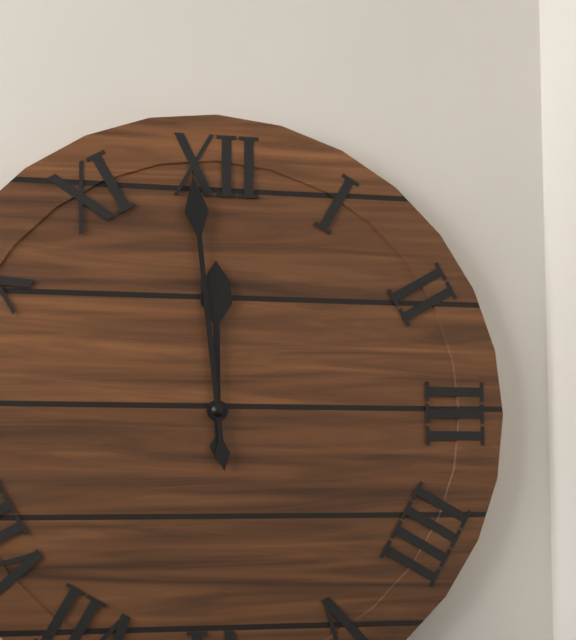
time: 11:59
